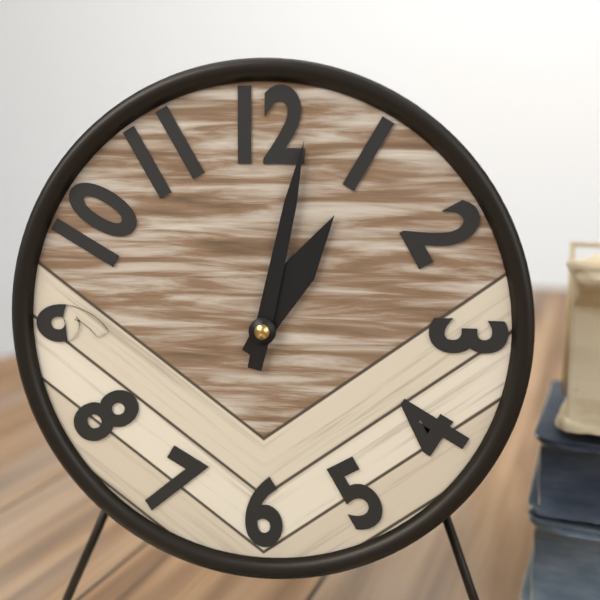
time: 1:02
